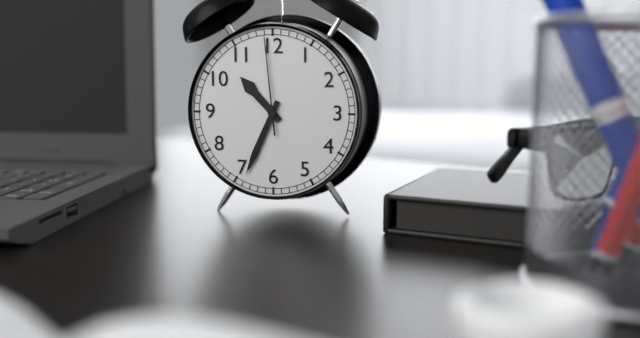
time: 10:34:59
